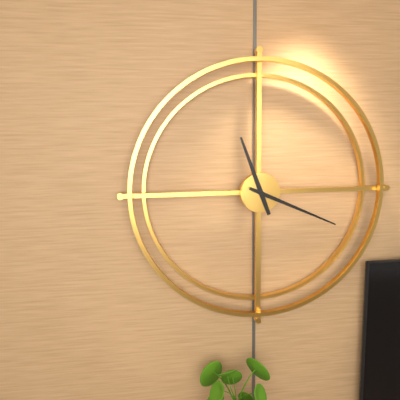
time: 11:19
